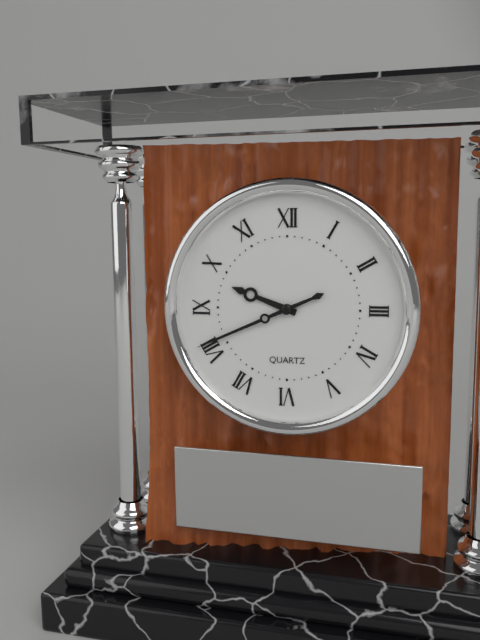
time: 9:41
